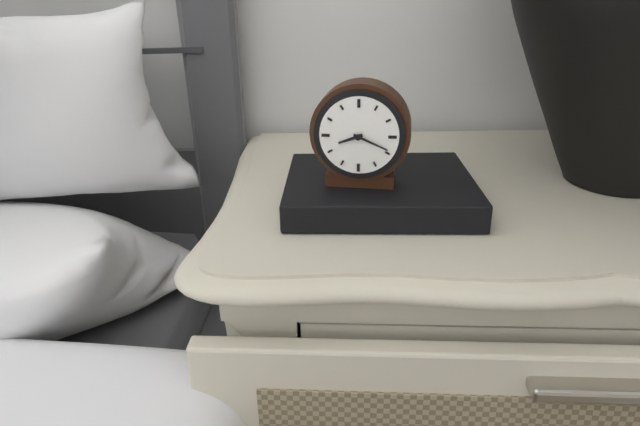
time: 8:19
